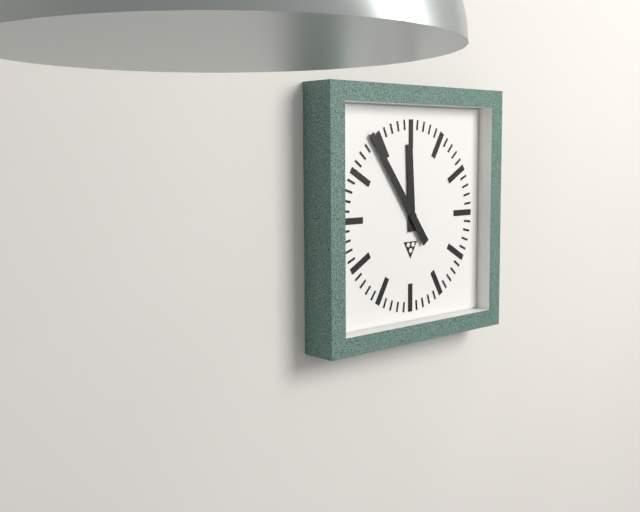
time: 11:54
